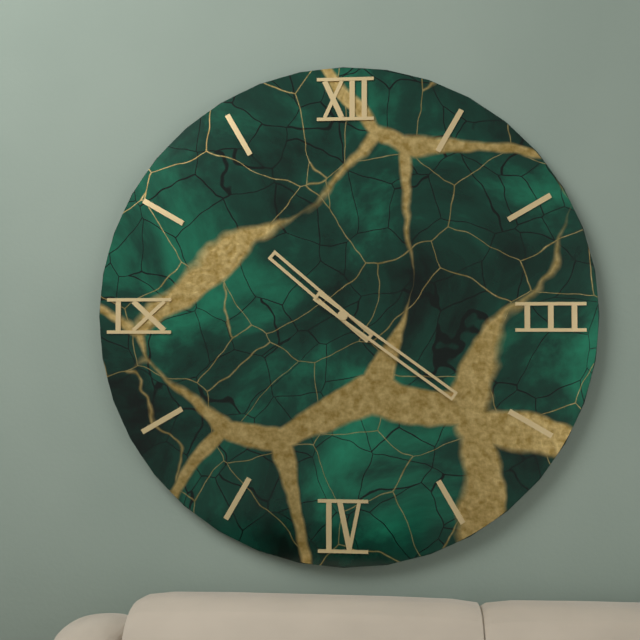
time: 10:21
